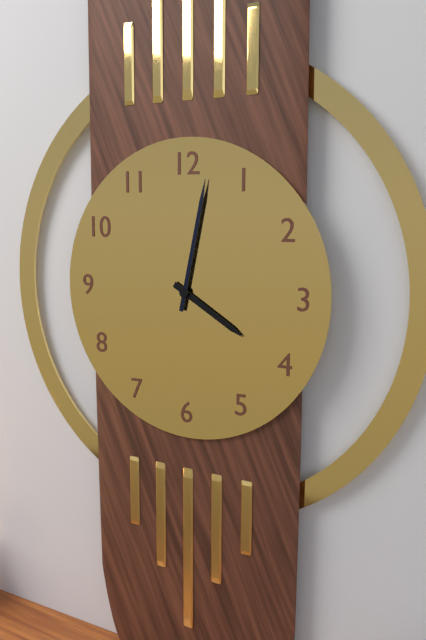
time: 4:02
